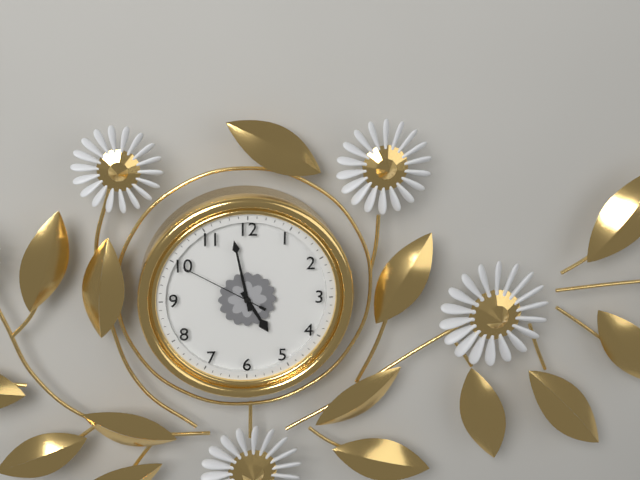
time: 4:58:50
